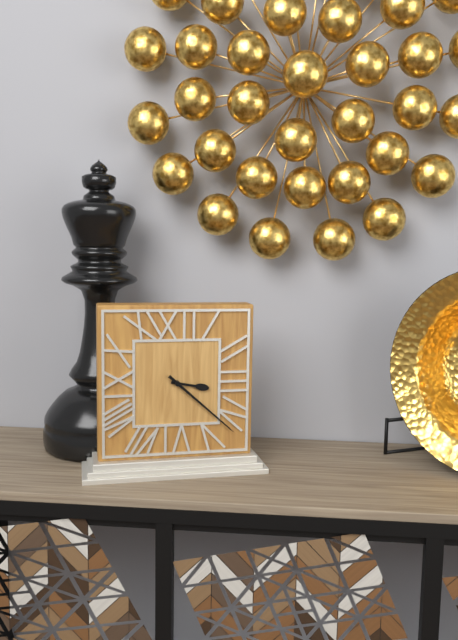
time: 3:22
